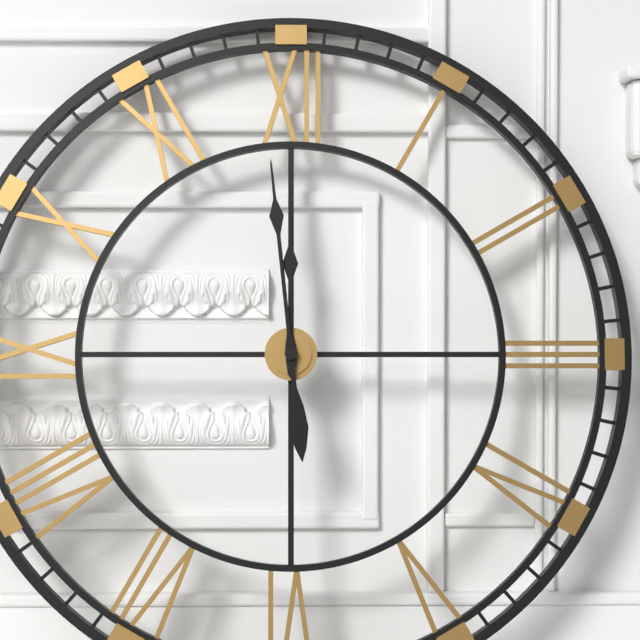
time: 11:59
